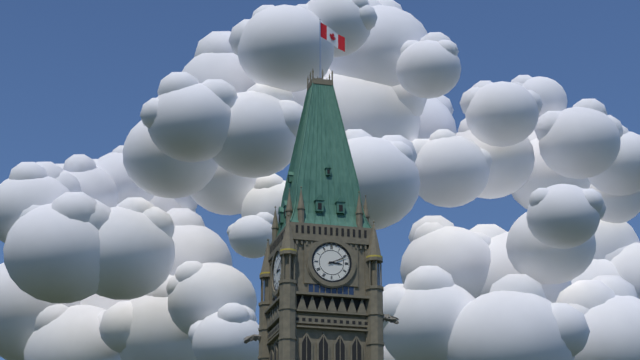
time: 3:11
